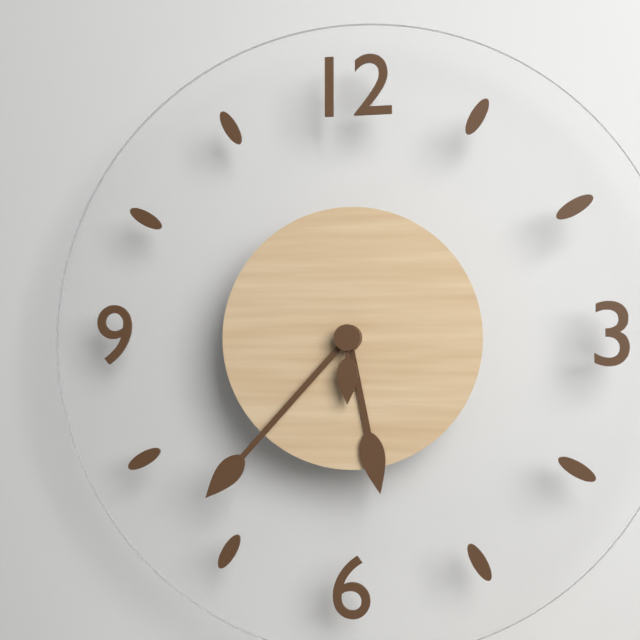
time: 5:37:30
